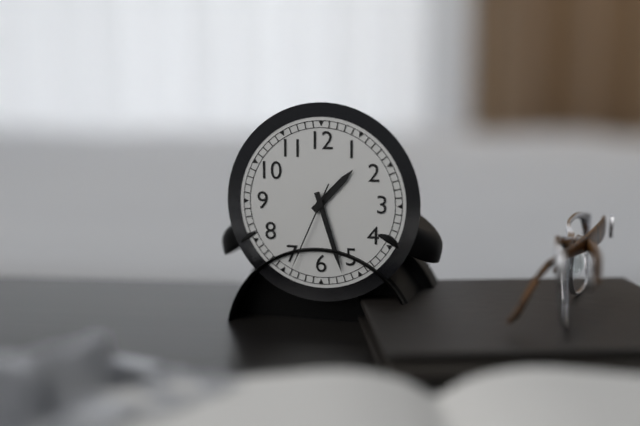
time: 1:27:34
